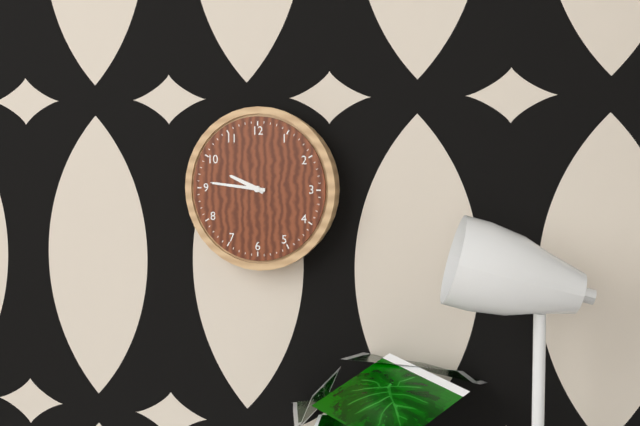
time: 9:46
